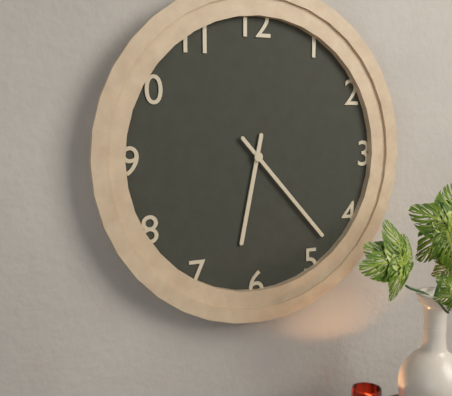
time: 6:23
